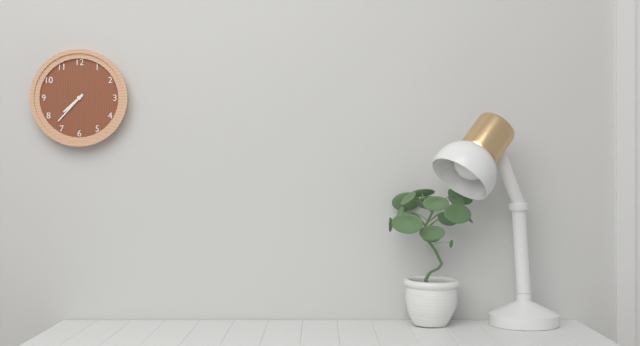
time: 7:37
